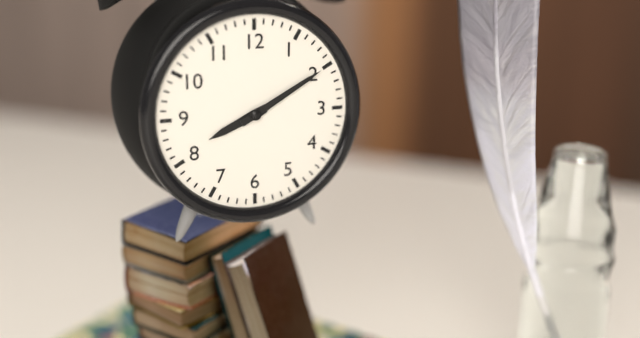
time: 8:10
